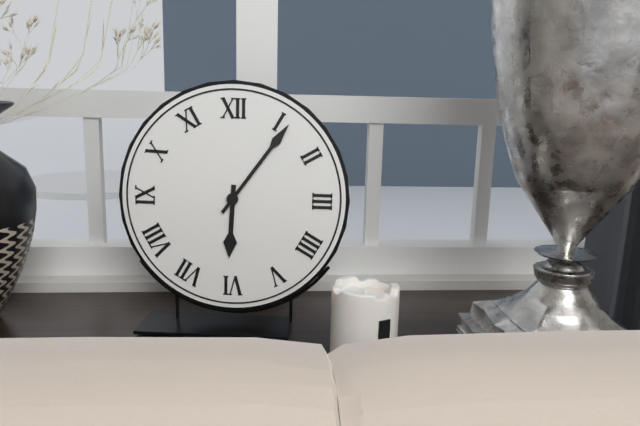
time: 6:06
